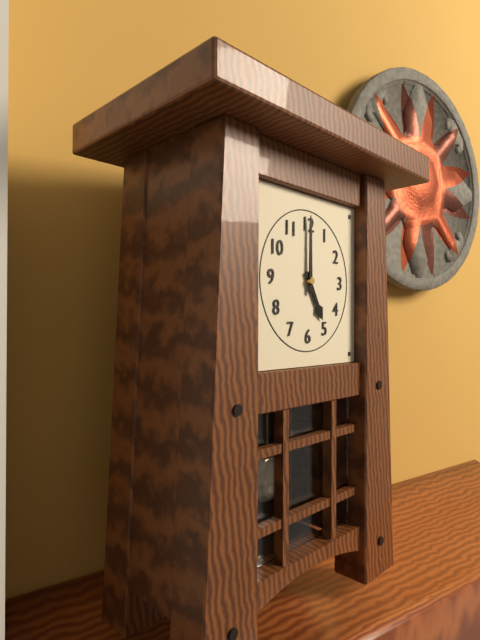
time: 5:00
